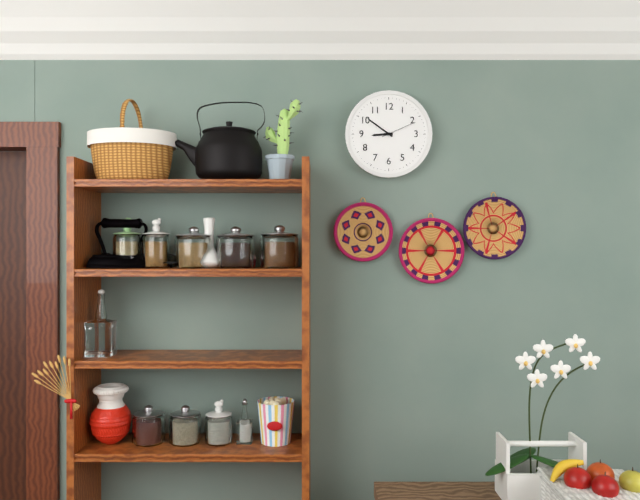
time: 8:51
